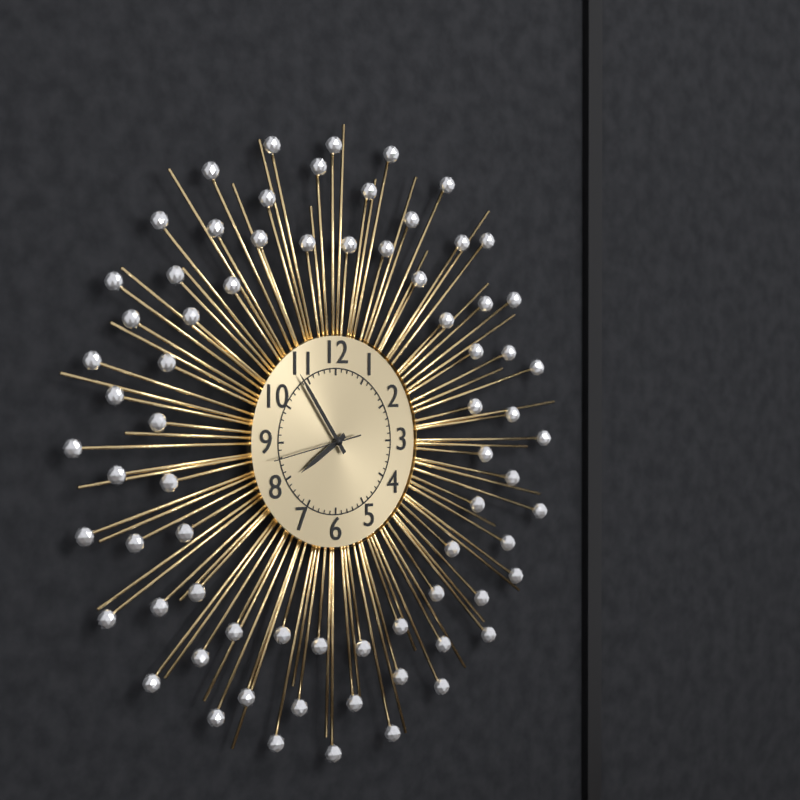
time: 7:54:43
